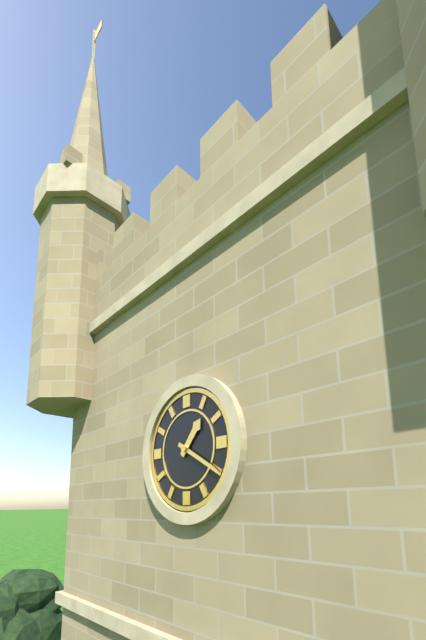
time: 1:20
